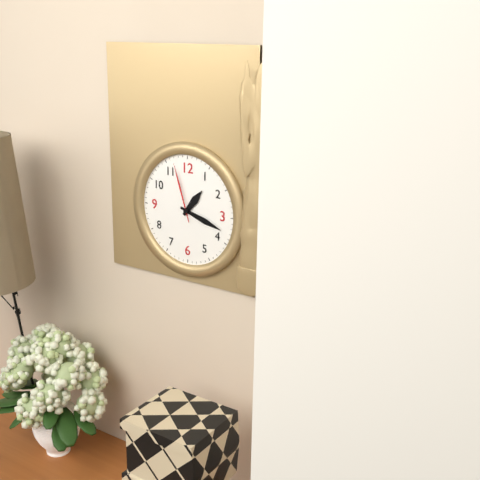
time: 1:18:57
